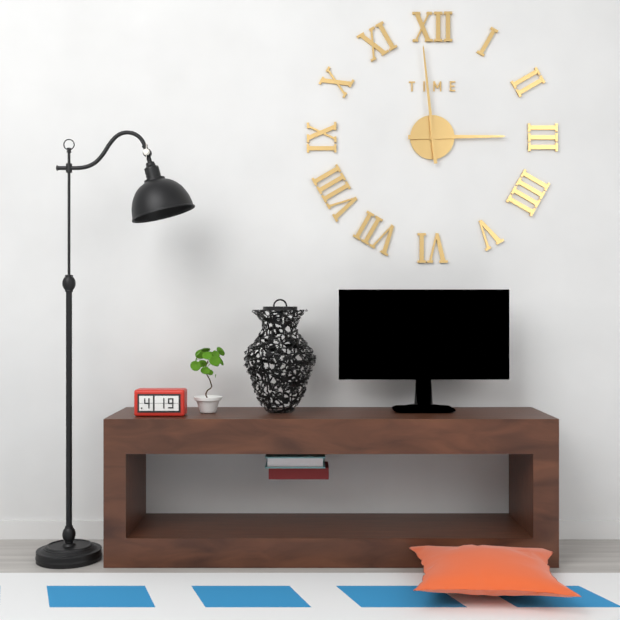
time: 2:59
